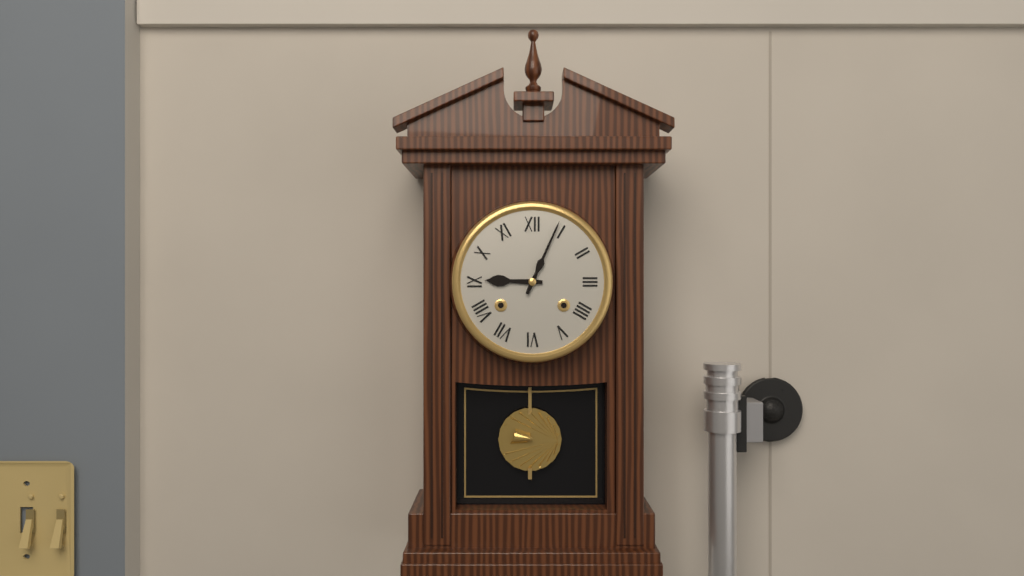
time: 9:04
